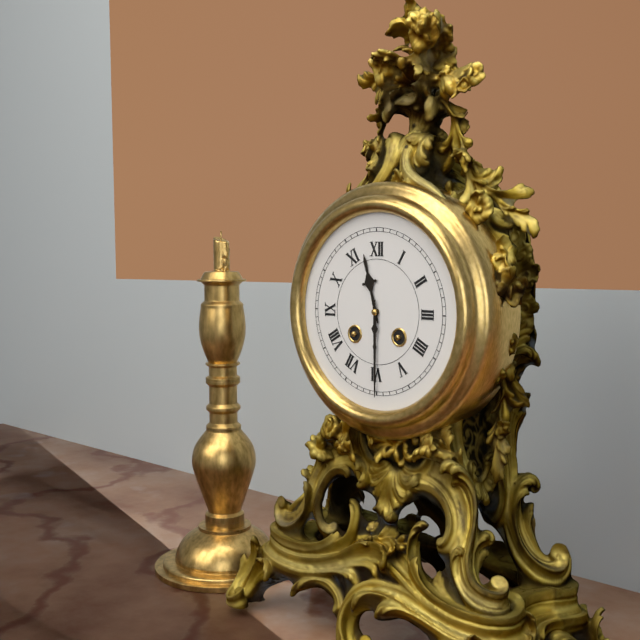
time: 11:30
